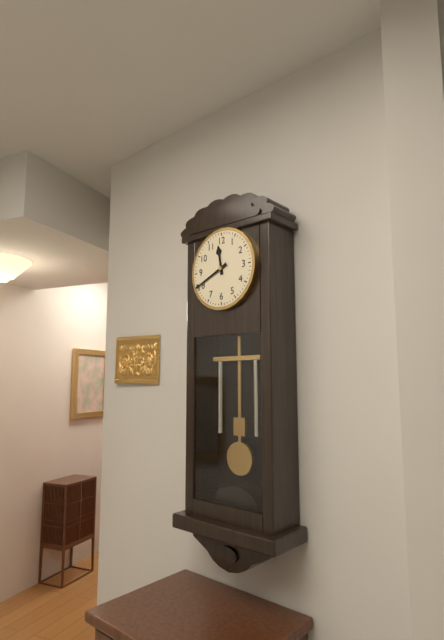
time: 11:41
